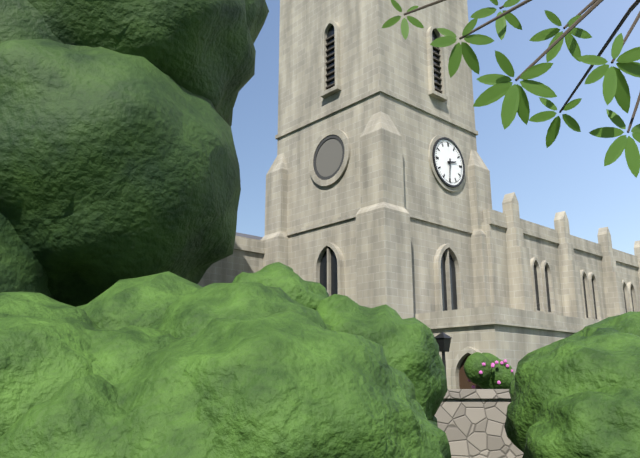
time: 2:31
